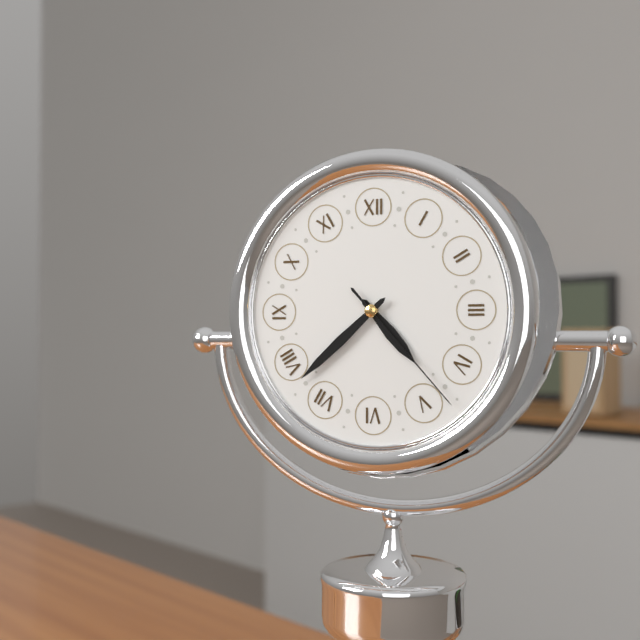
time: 4:38:23
